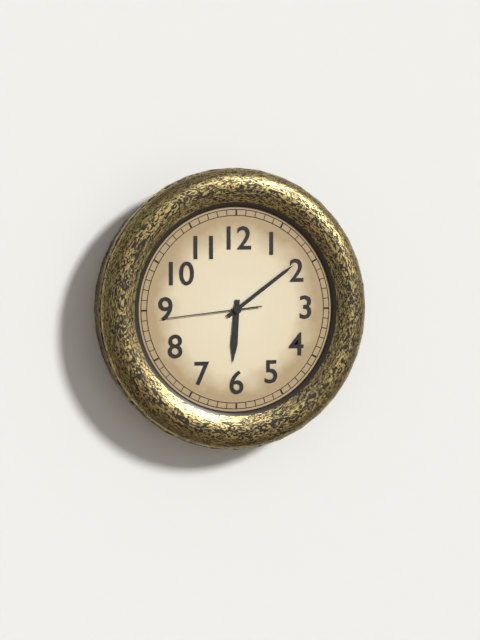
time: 6:09:44
